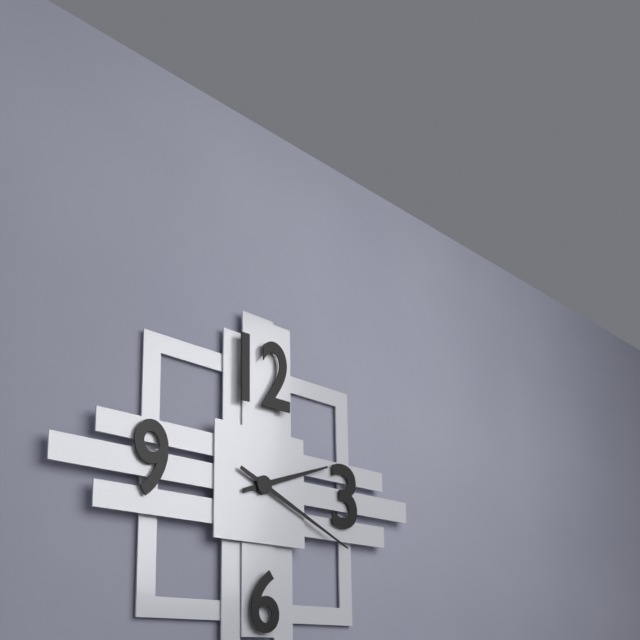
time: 2:19
